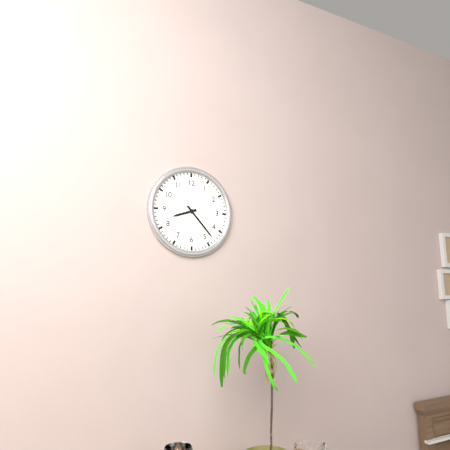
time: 8:23
